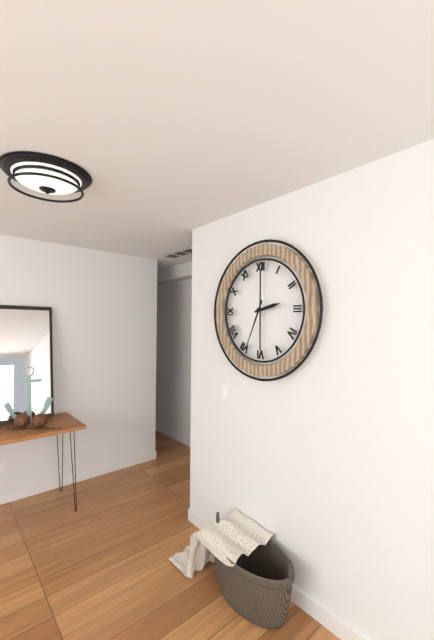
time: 2:34
